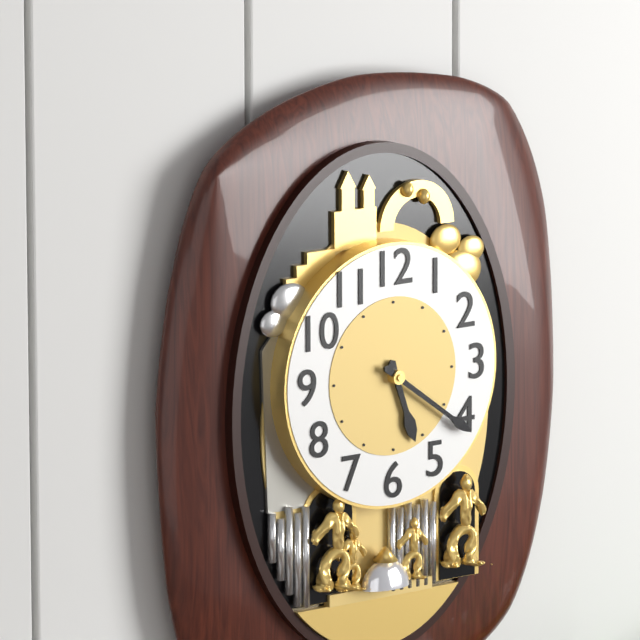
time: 5:21
